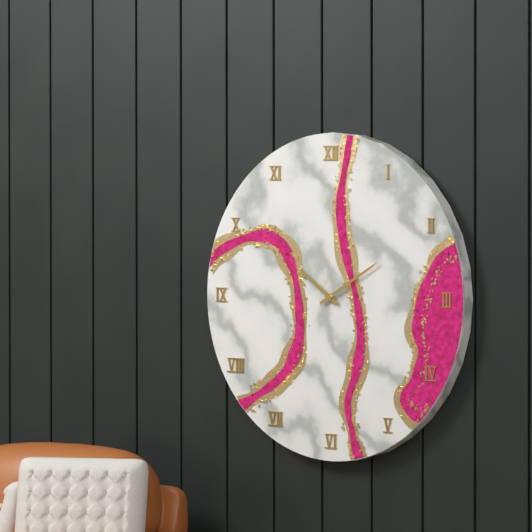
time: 10:10
